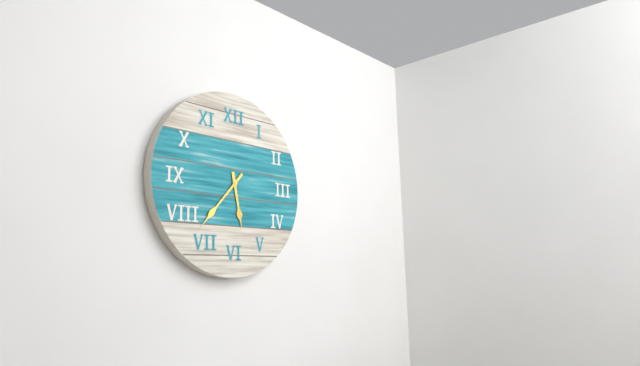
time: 5:37
